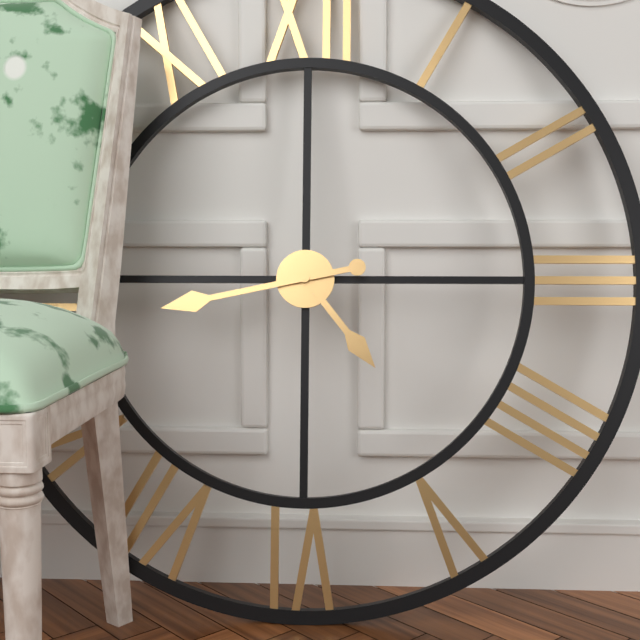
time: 4:43
